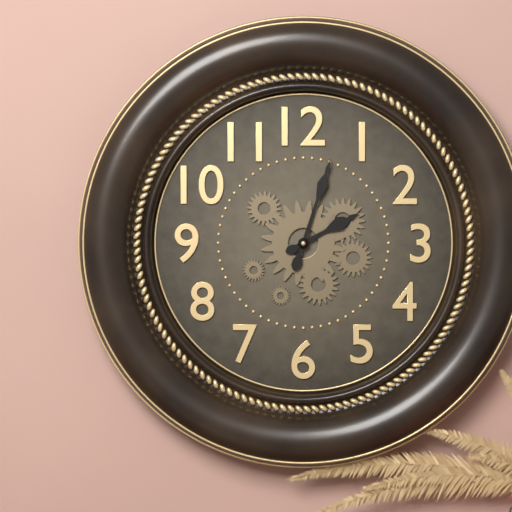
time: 2:03
